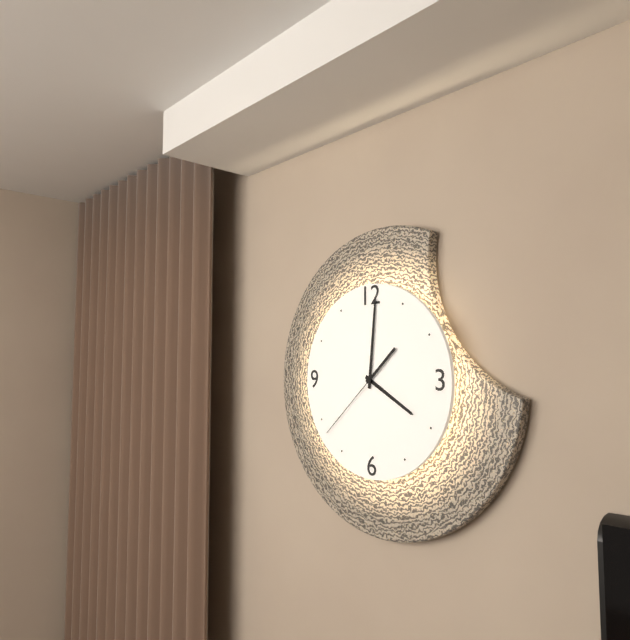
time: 4:01:38
